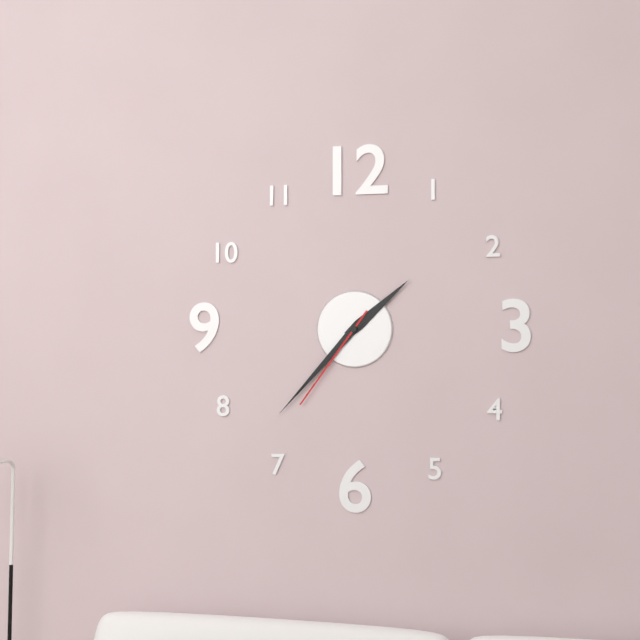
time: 1:37:36
